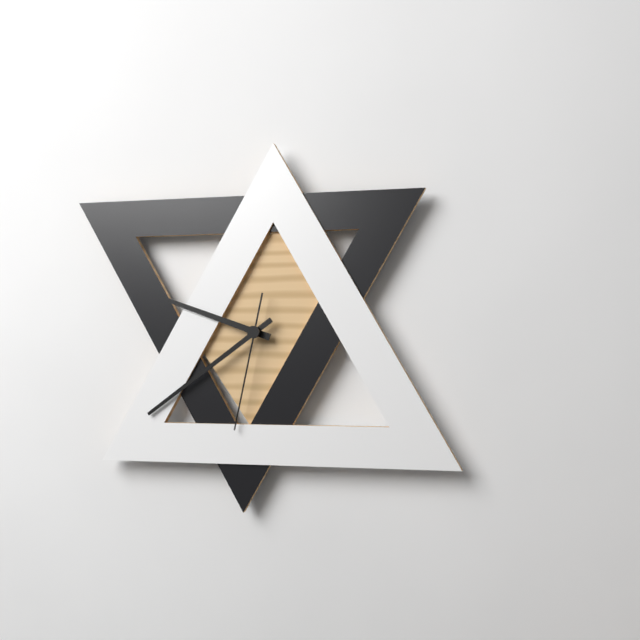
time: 9:39:32
